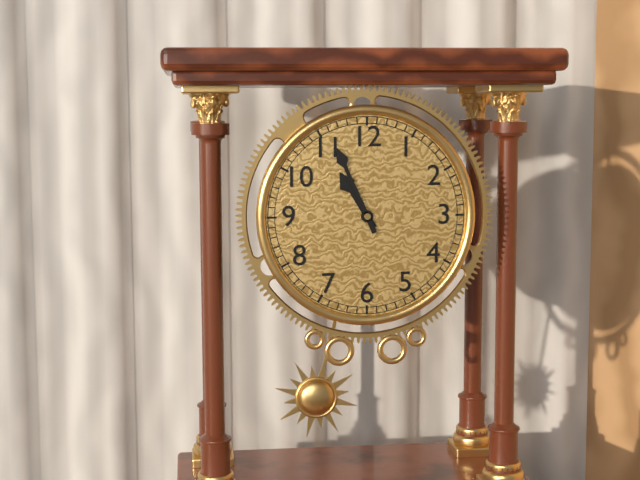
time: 10:56
